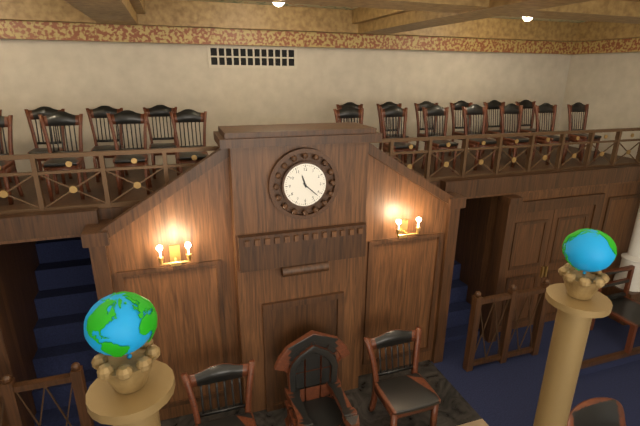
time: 11:22
